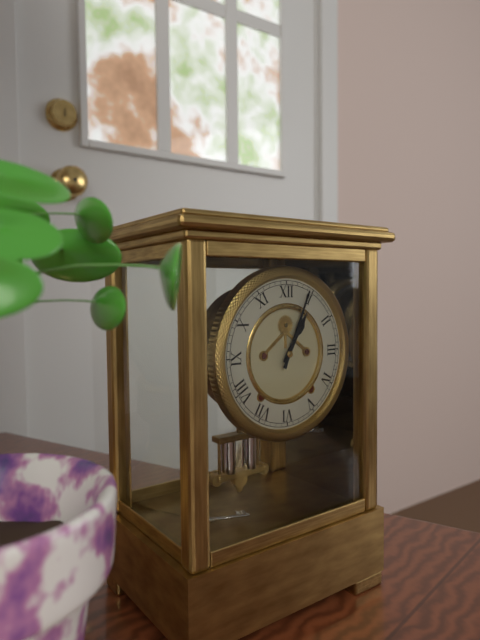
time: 1:04
